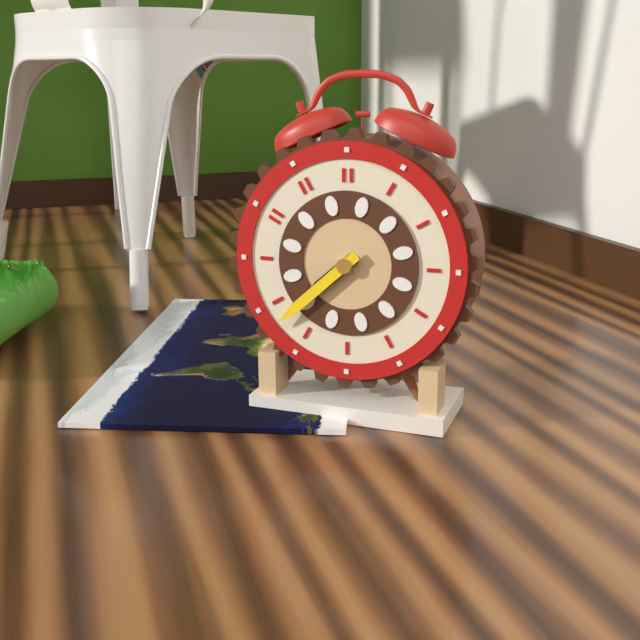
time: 7:38
